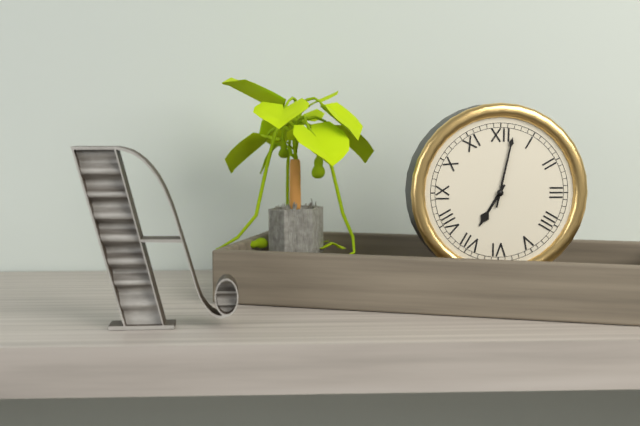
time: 7:02
